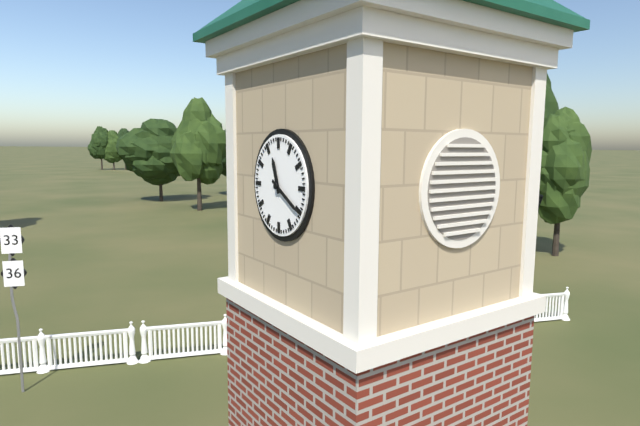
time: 11:20
